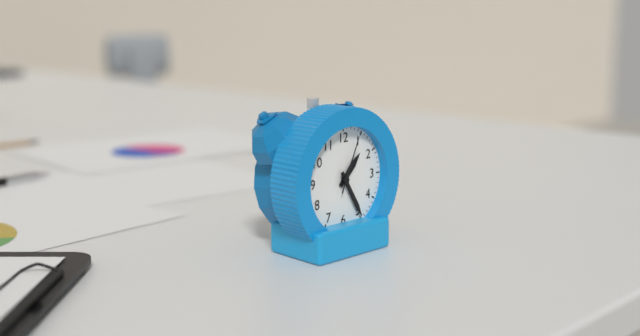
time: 1:25:04
